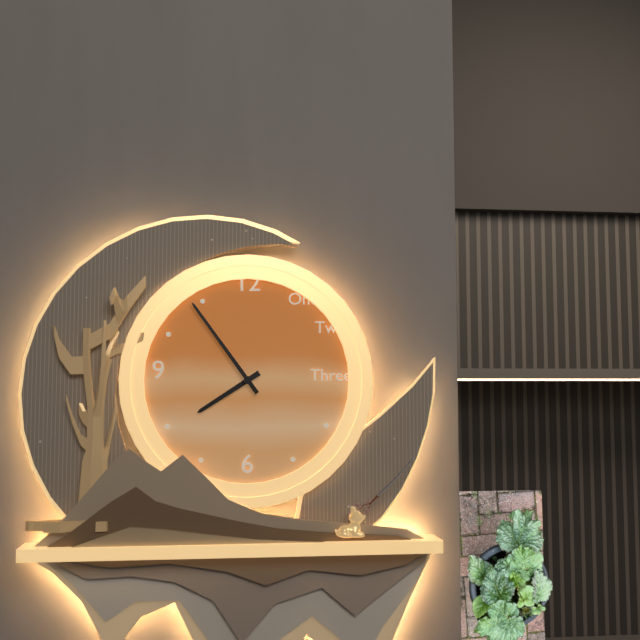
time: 7:54
